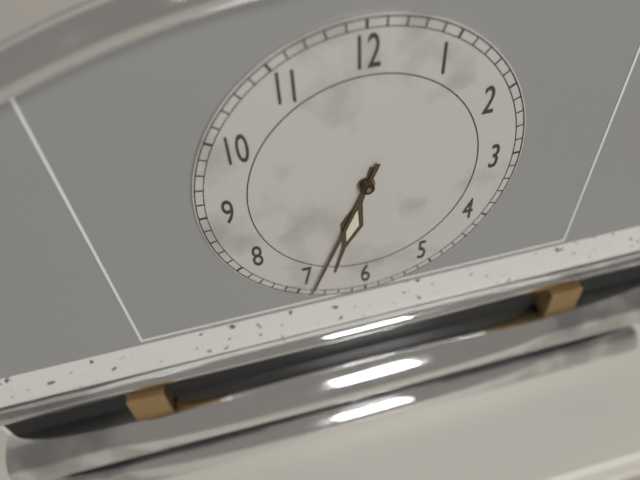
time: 6:34
